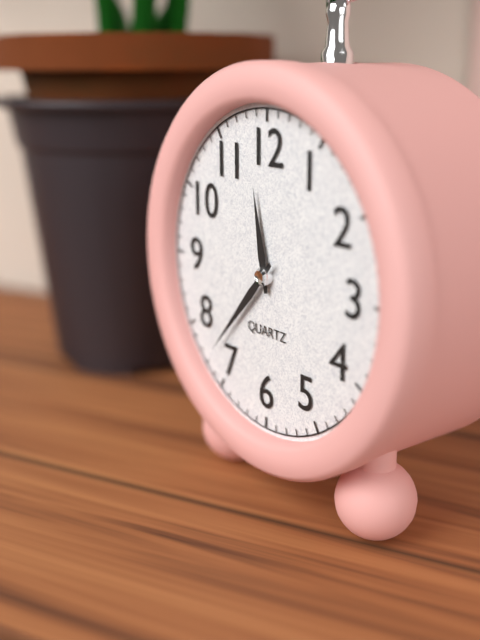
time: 11:37
